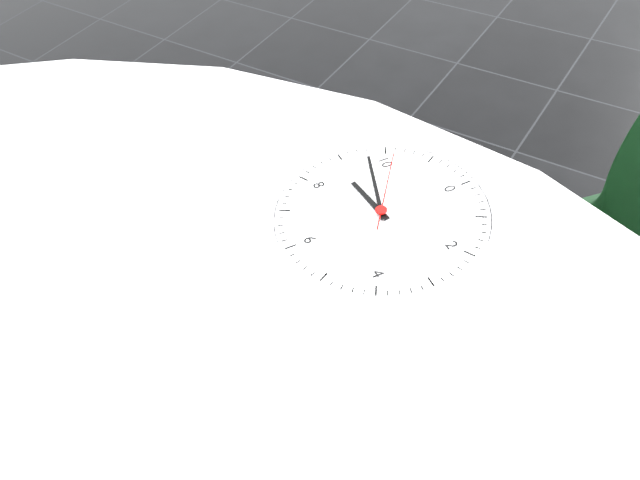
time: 8:48:51
